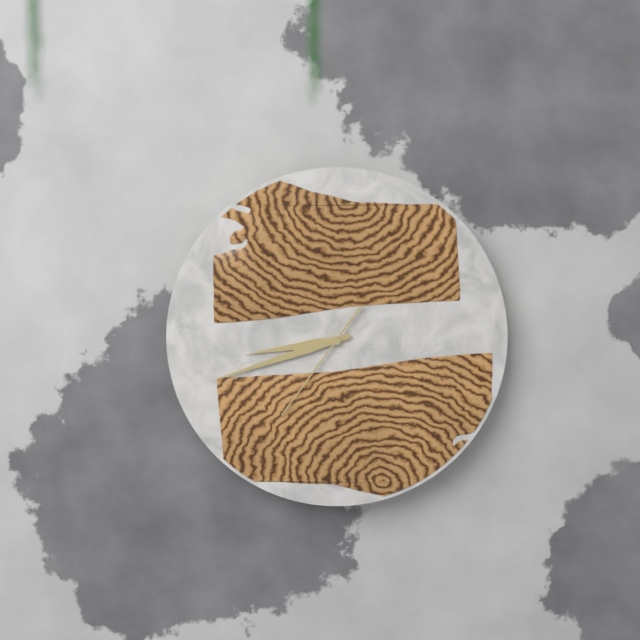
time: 8:42:36
